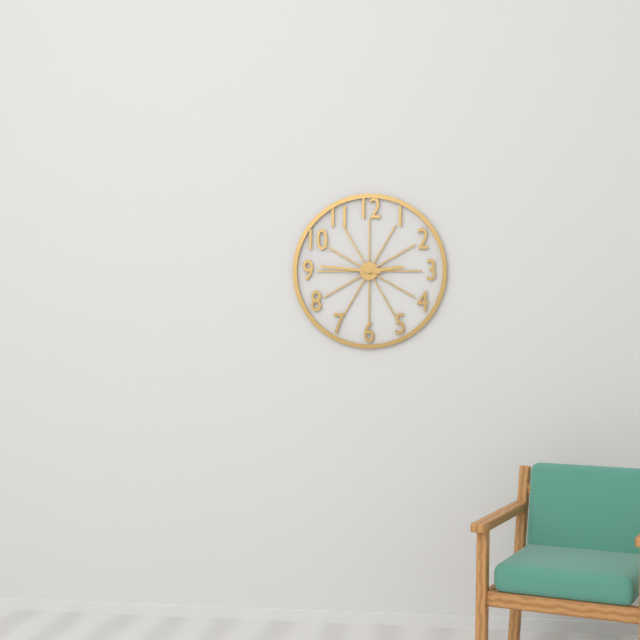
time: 2:46
